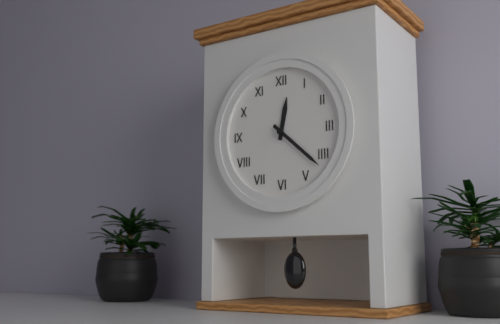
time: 12:22
